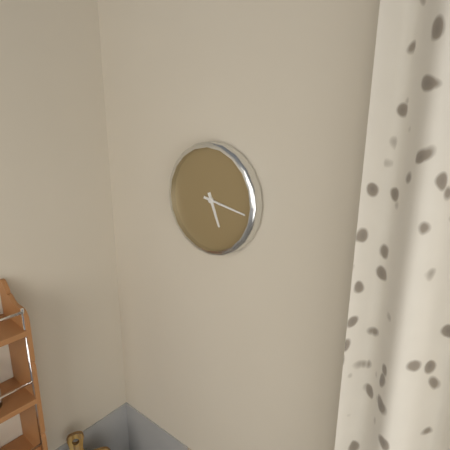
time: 5:17
